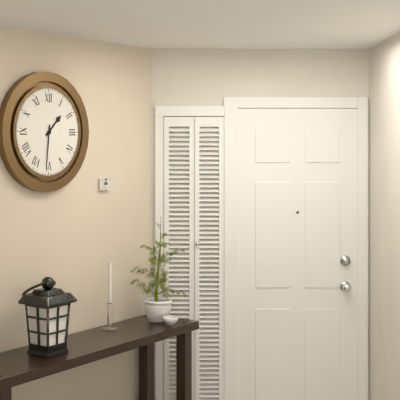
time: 1:31
